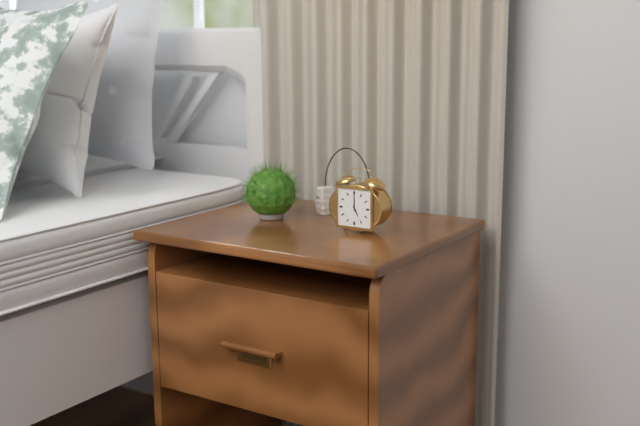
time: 5:00
